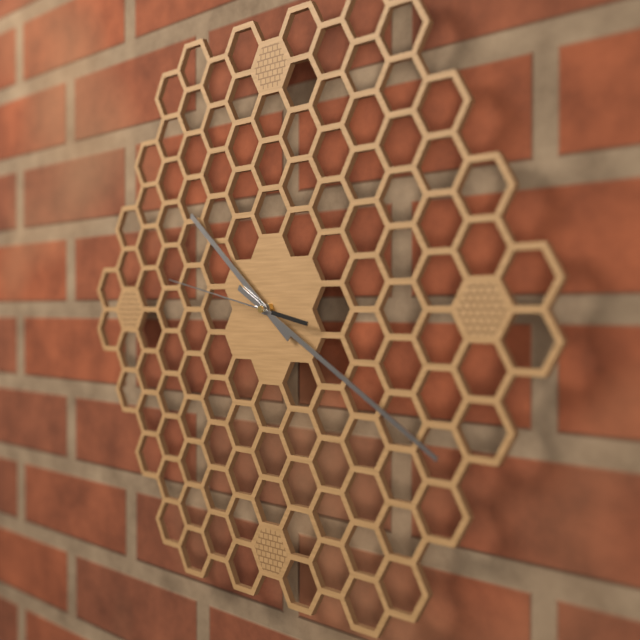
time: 10:20:47
